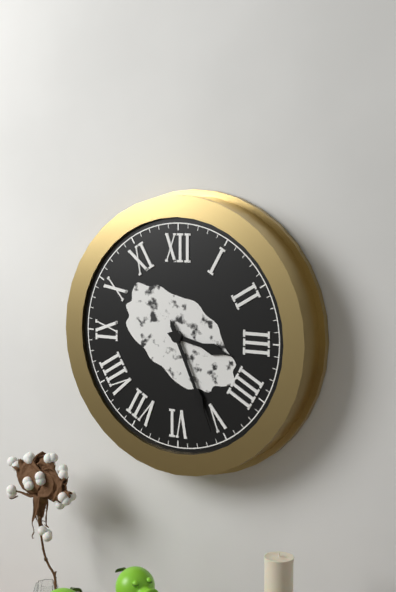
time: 3:26
